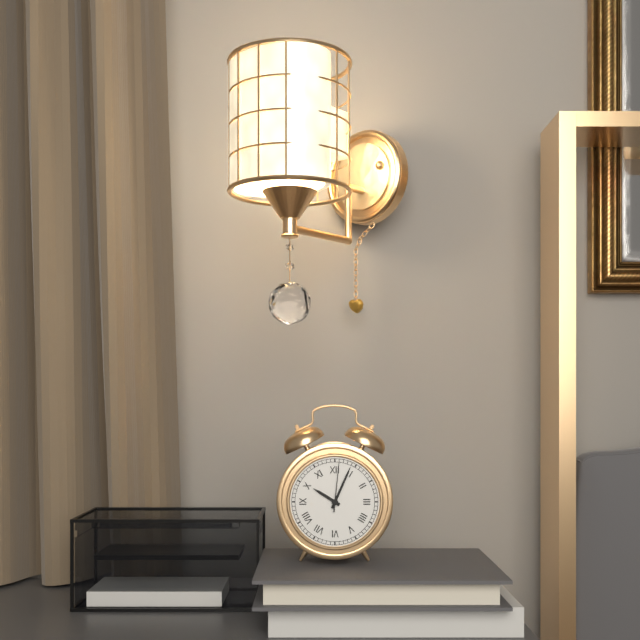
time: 10:04:01
